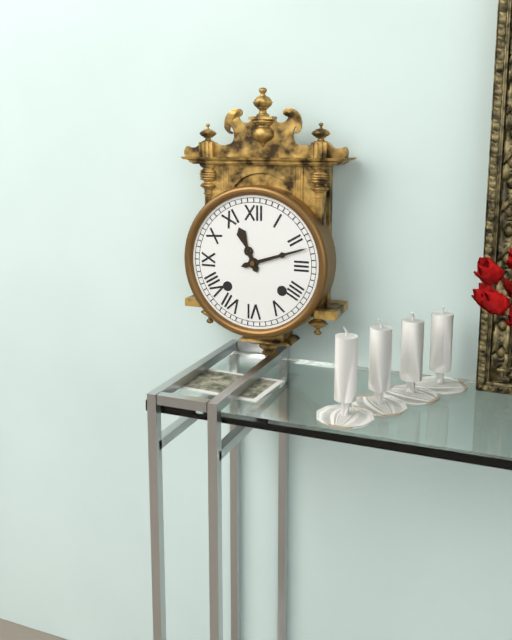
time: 11:12
